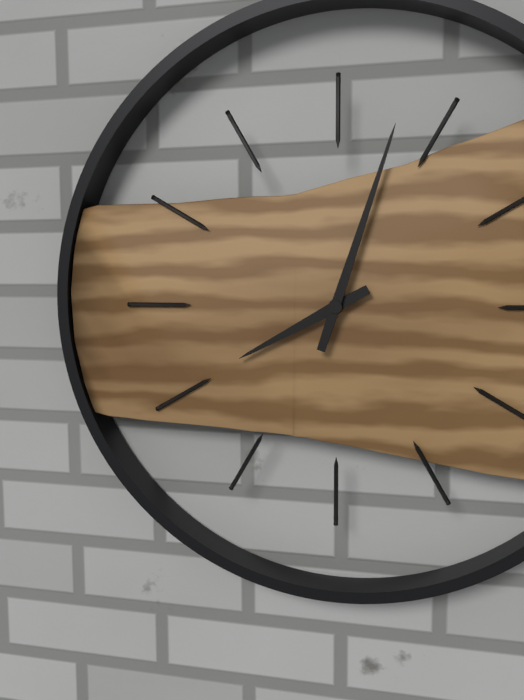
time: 8:03
